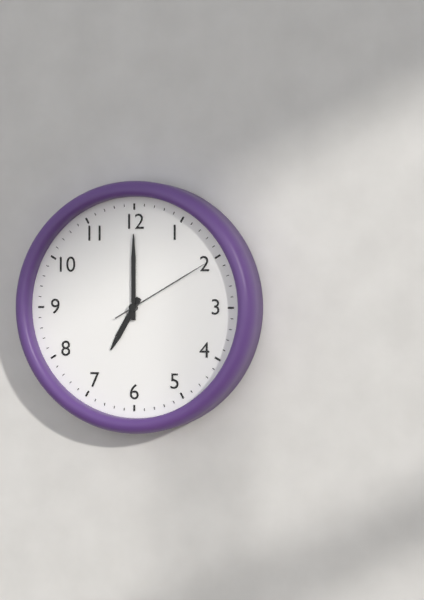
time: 7:00:10
